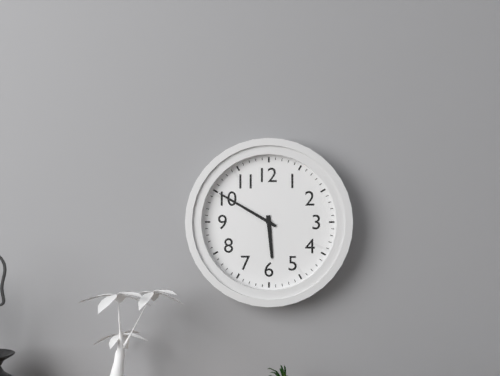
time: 5:50
